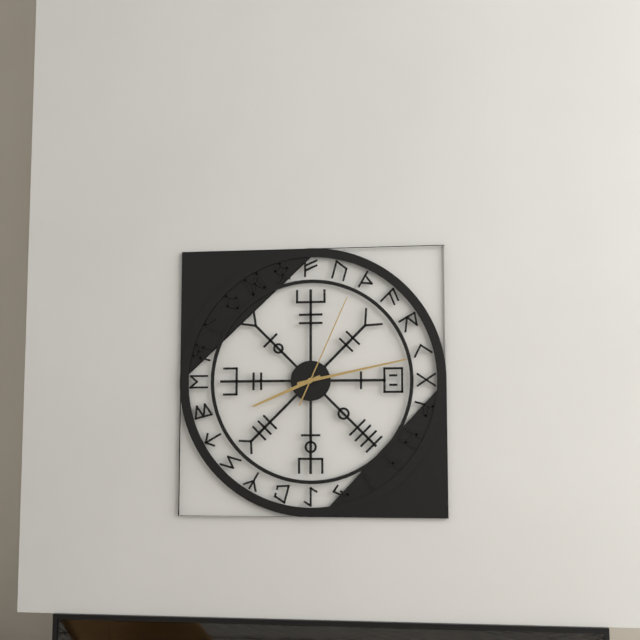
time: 8:13:04
